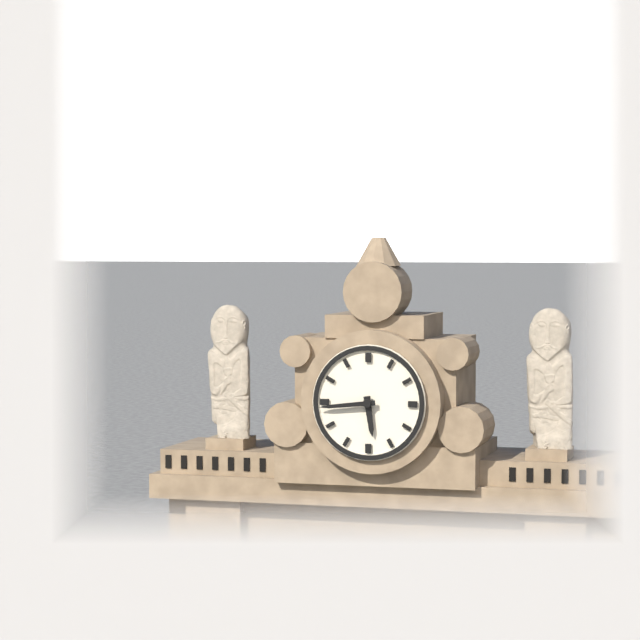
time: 5:44
